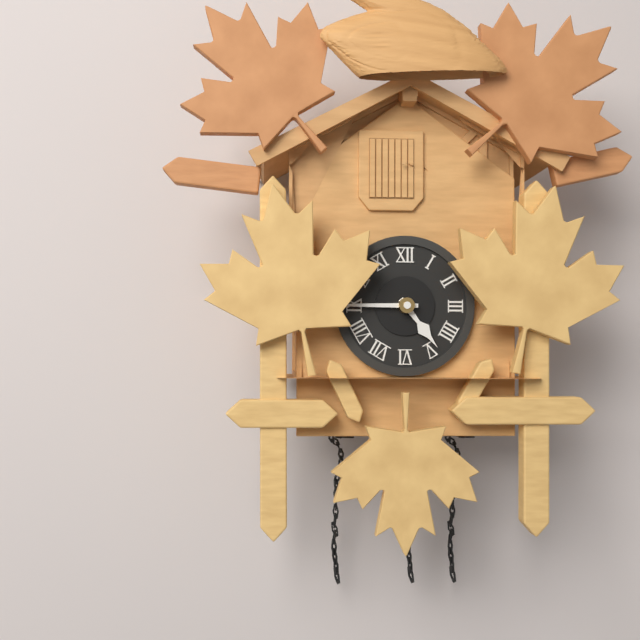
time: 4:45
